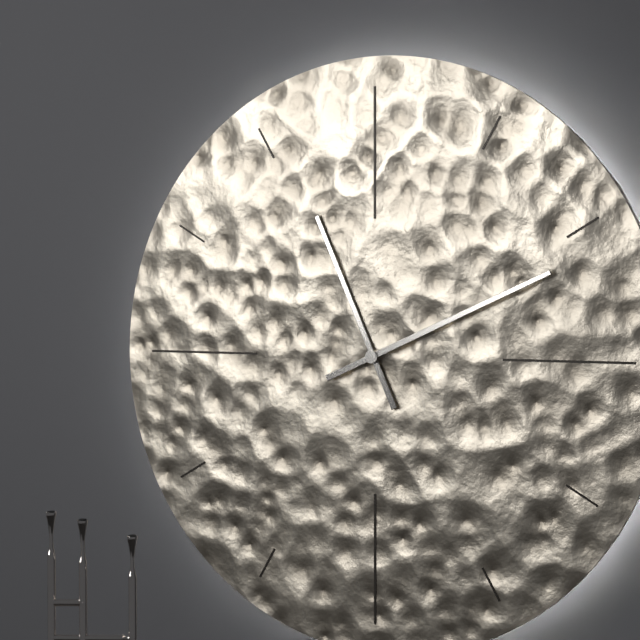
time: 11:11
